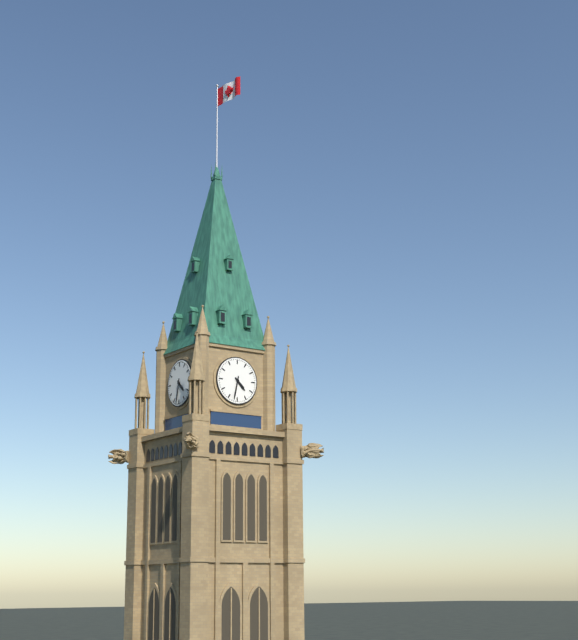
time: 4:32
